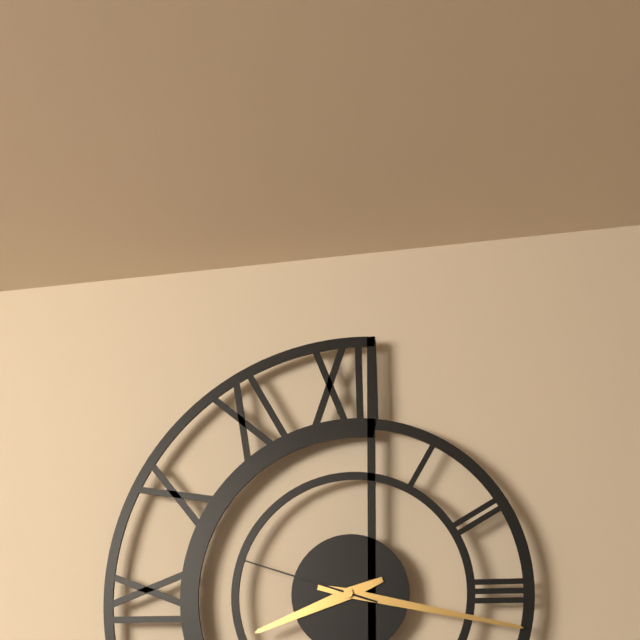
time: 8:17:48
